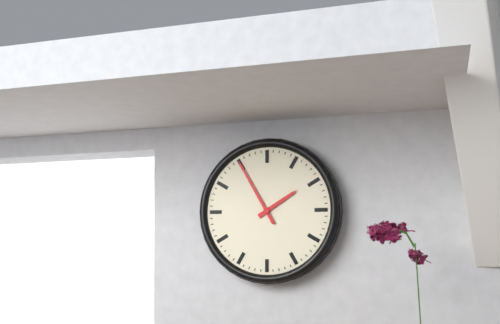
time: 1:55
